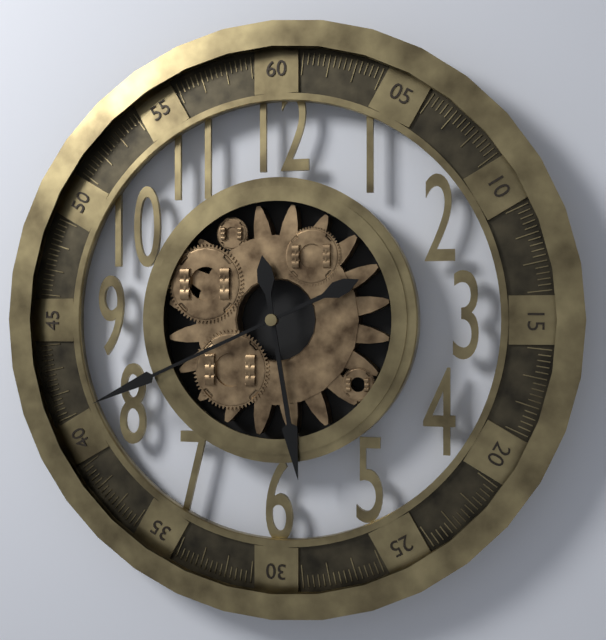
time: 5:41
